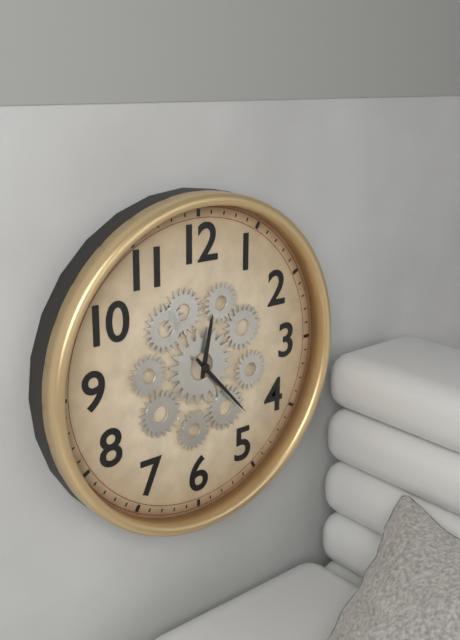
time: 12:23
